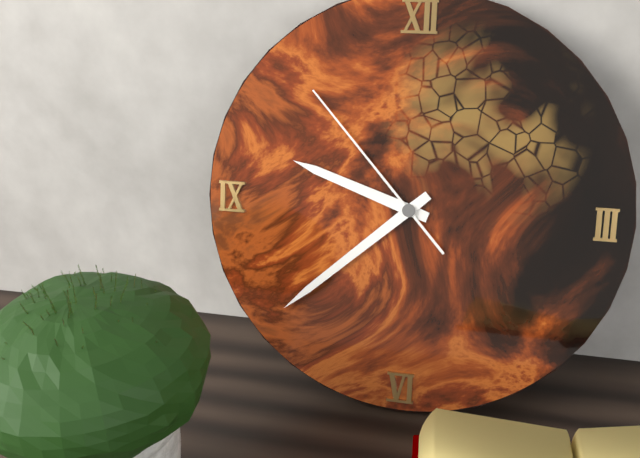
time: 9:38:53
